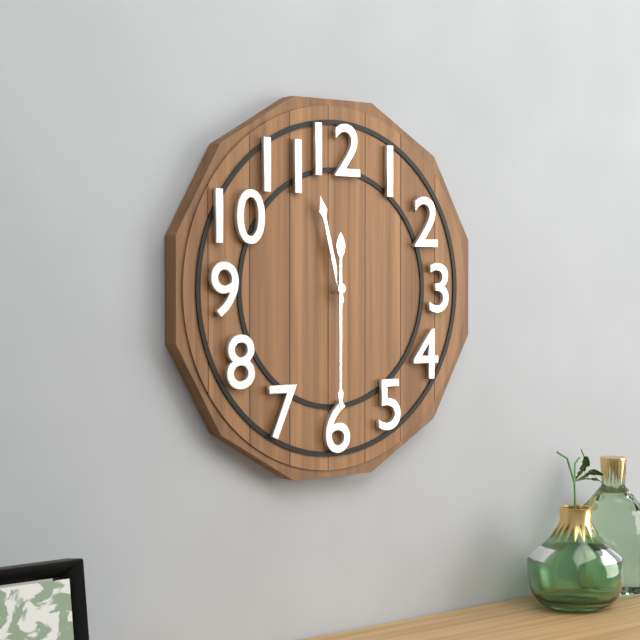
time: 11:30
